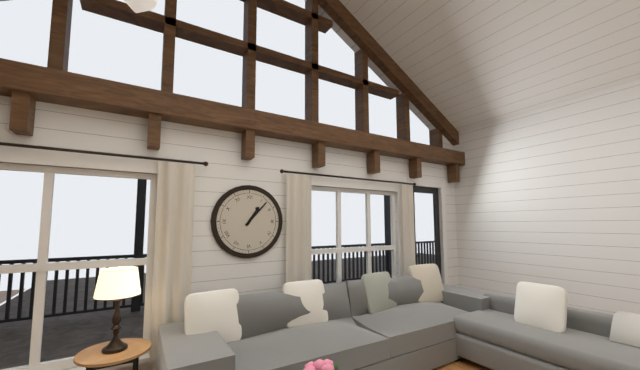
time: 1:07
